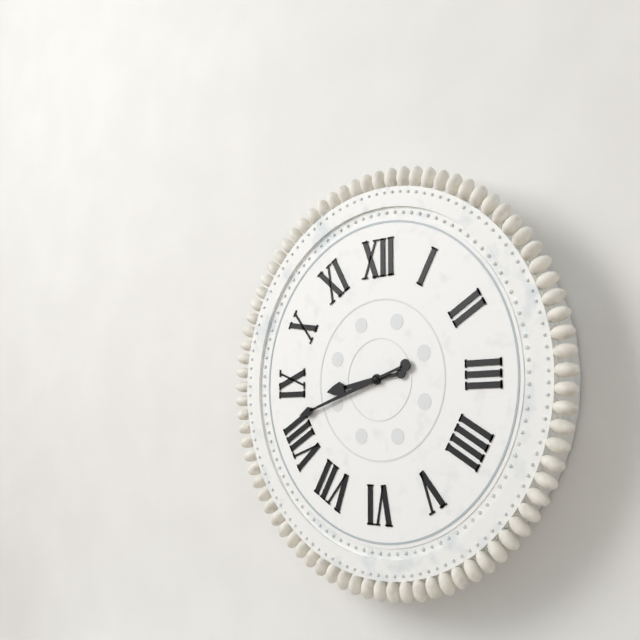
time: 8:42
